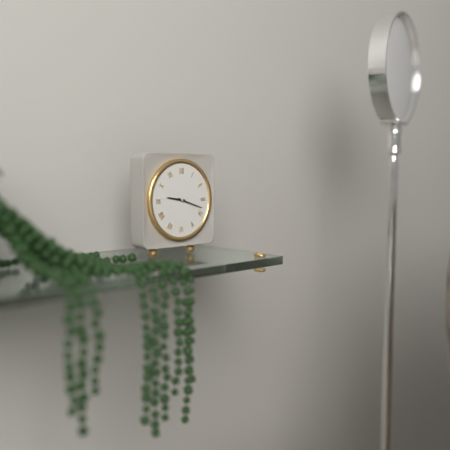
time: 9:18
